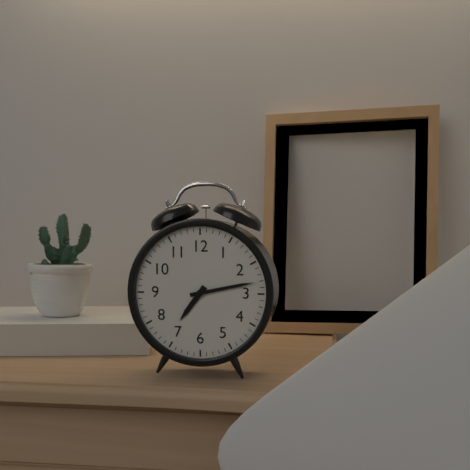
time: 7:13
